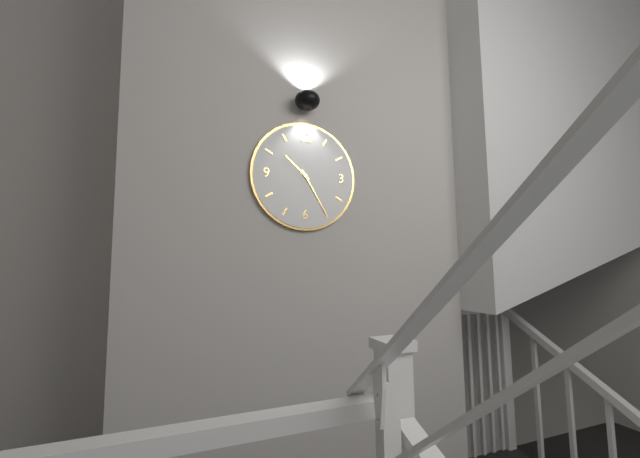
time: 10:25
